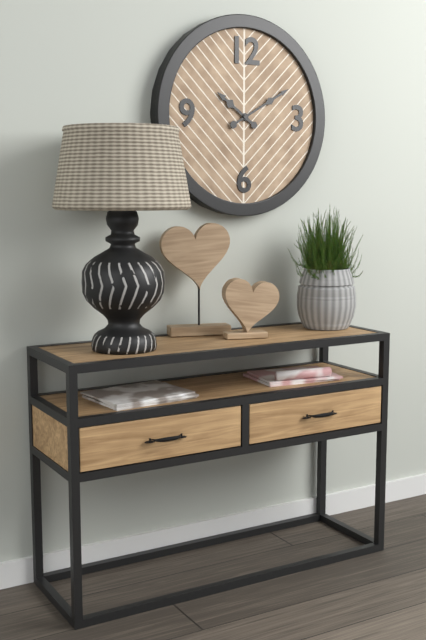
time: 10:10
